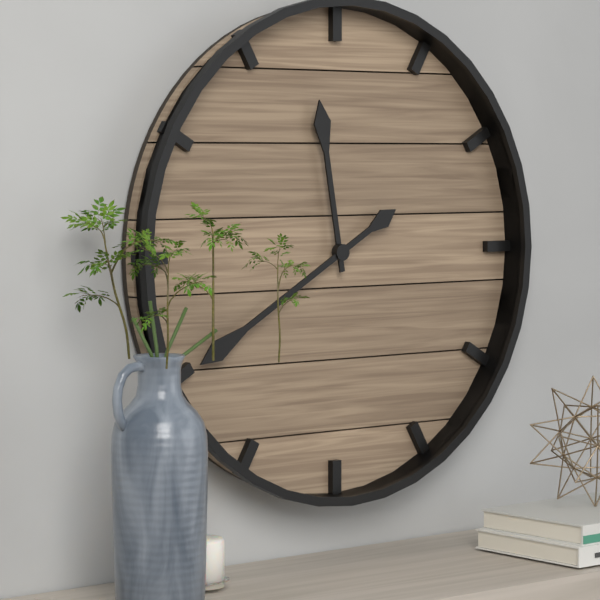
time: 11:40
